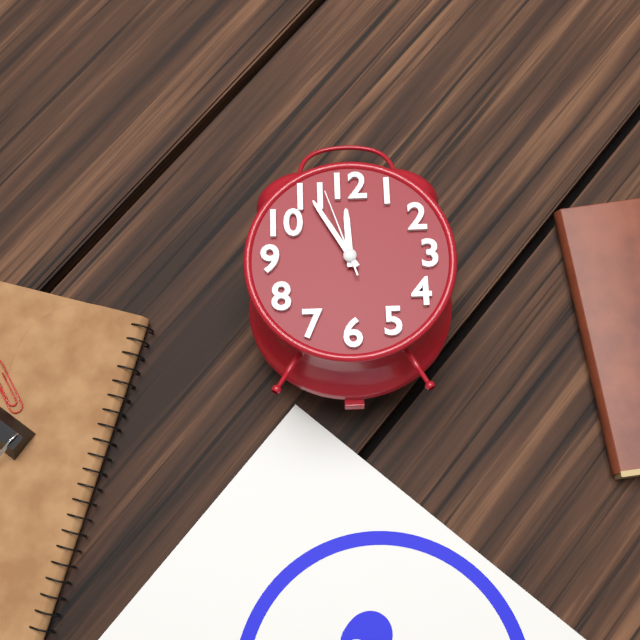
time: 11:55:57
